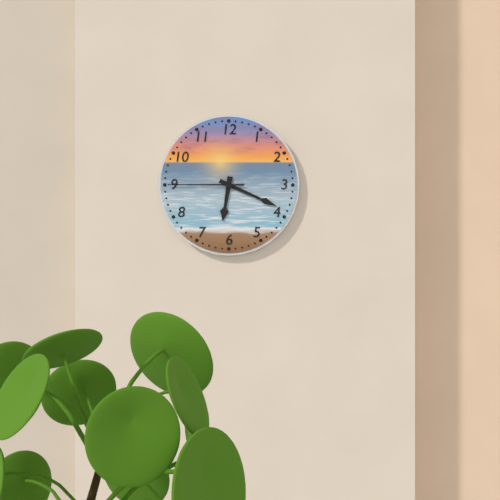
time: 6:19:45
